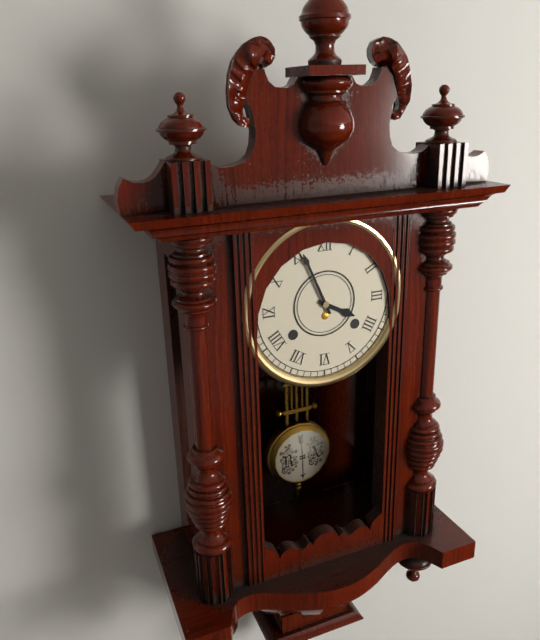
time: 3:56
